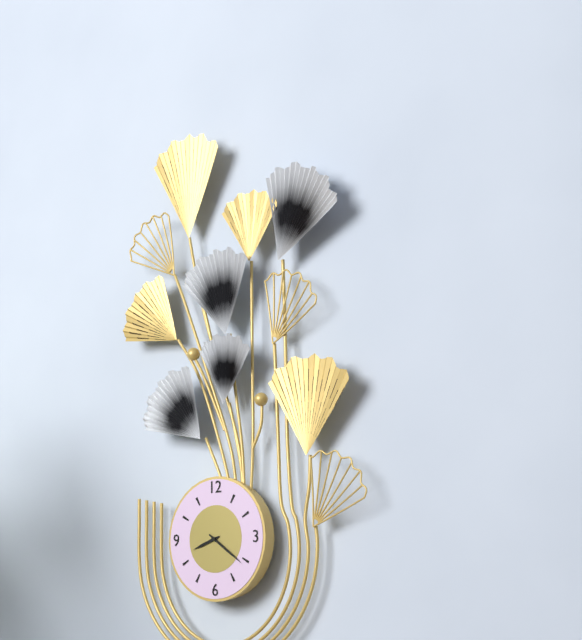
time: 8:21
